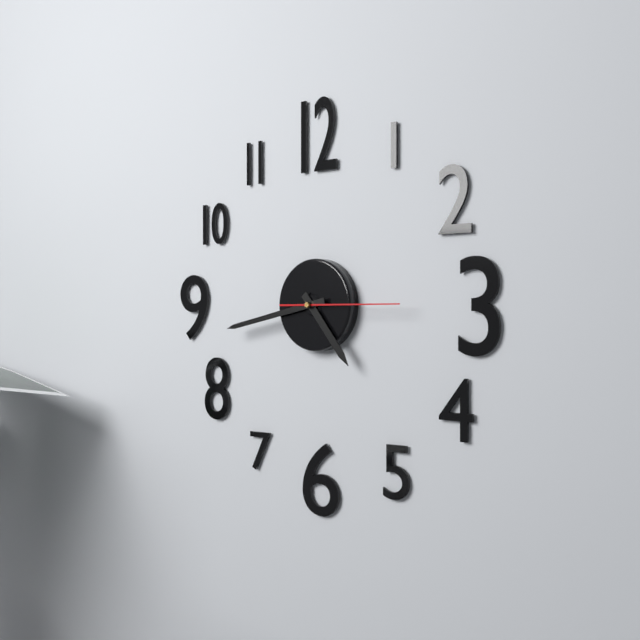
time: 4:43:15
